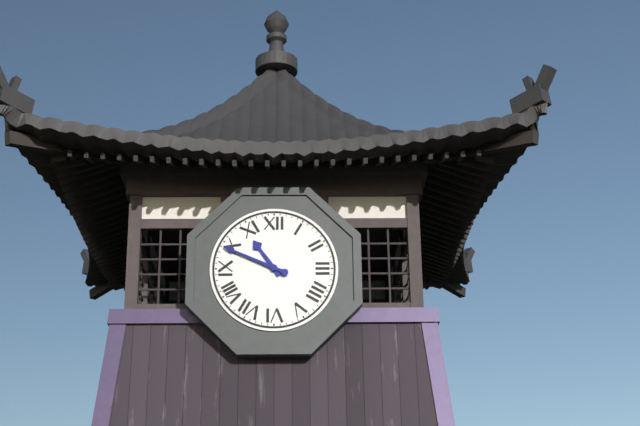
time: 10:49
